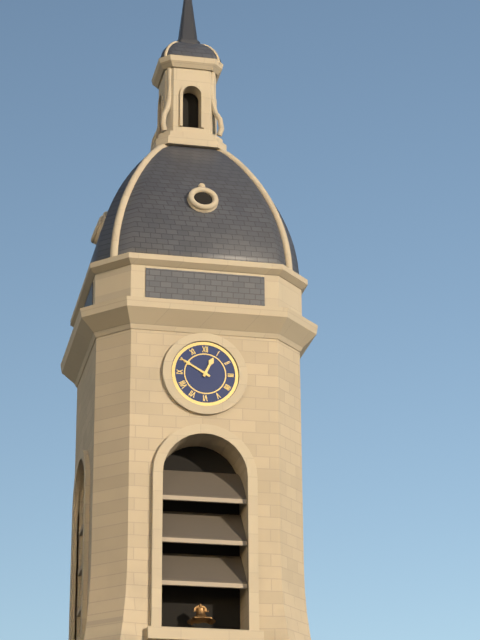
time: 12:50
